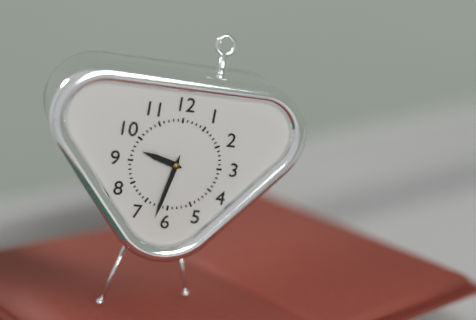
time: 9:32
